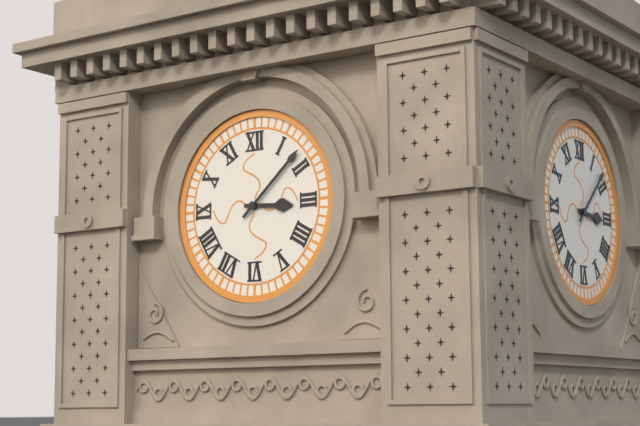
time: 3:08
